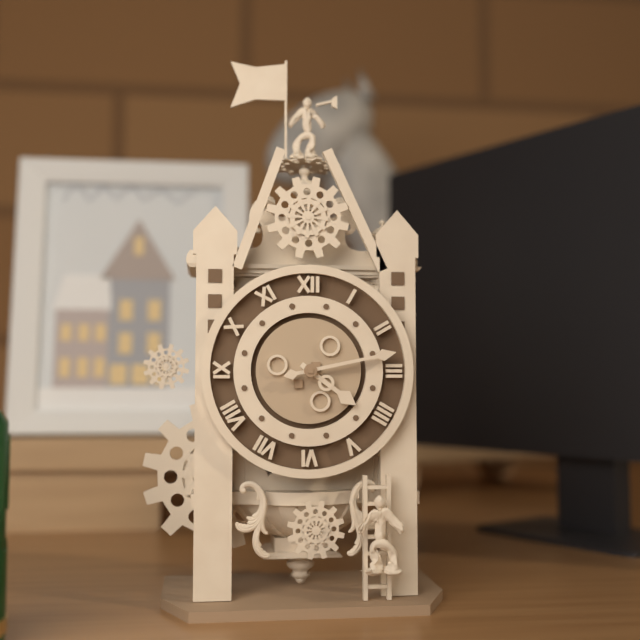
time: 4:13
